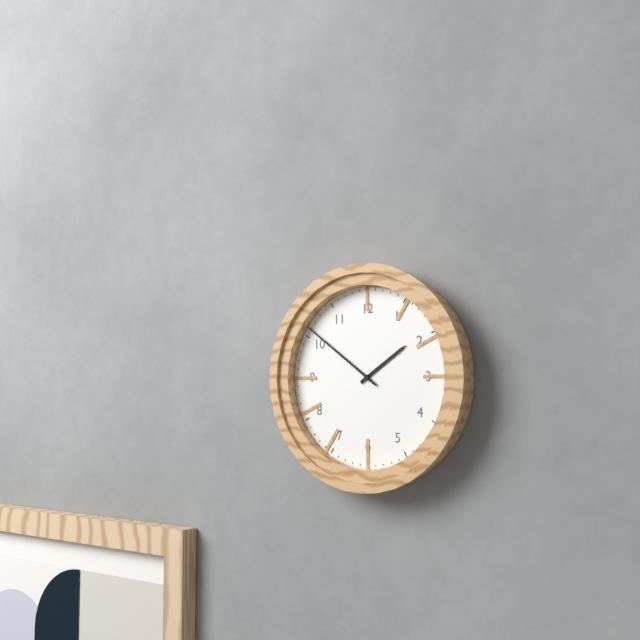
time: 1:51
